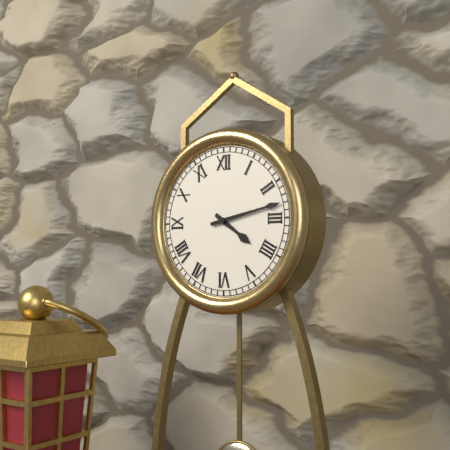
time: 4:13
